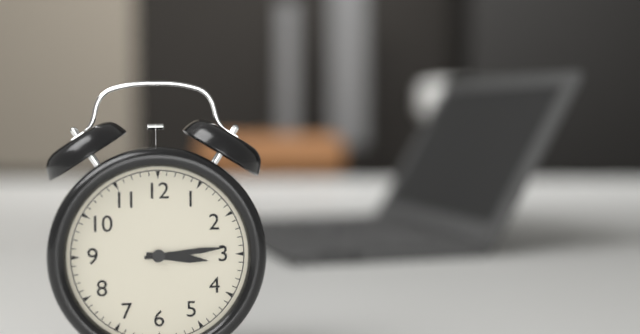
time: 3:14
